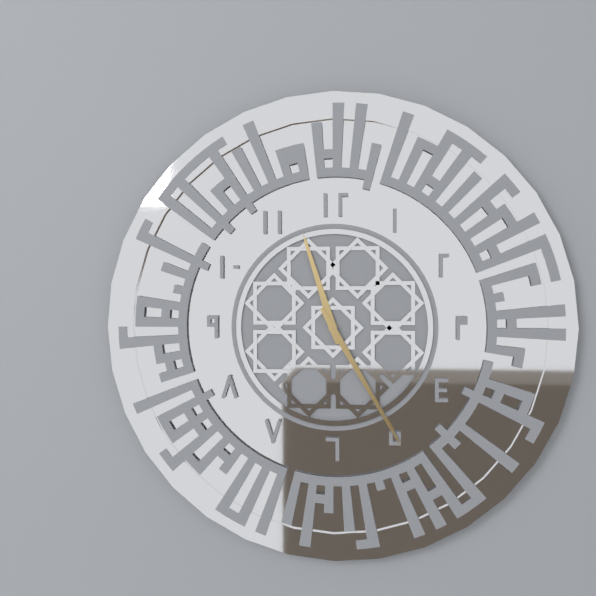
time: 11:25
